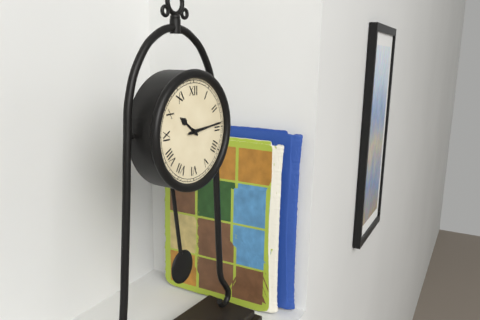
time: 10:14
